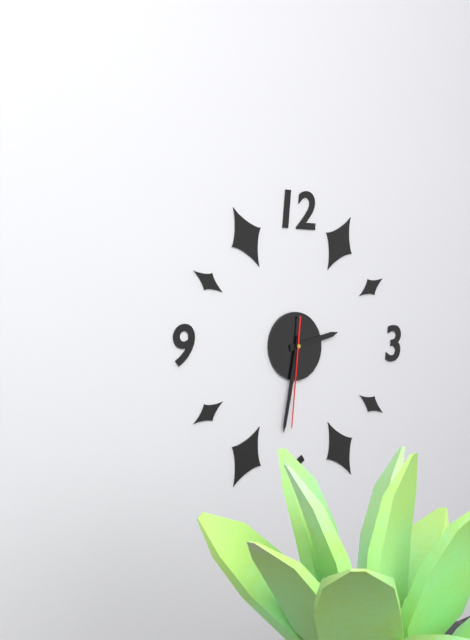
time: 2:32:31
